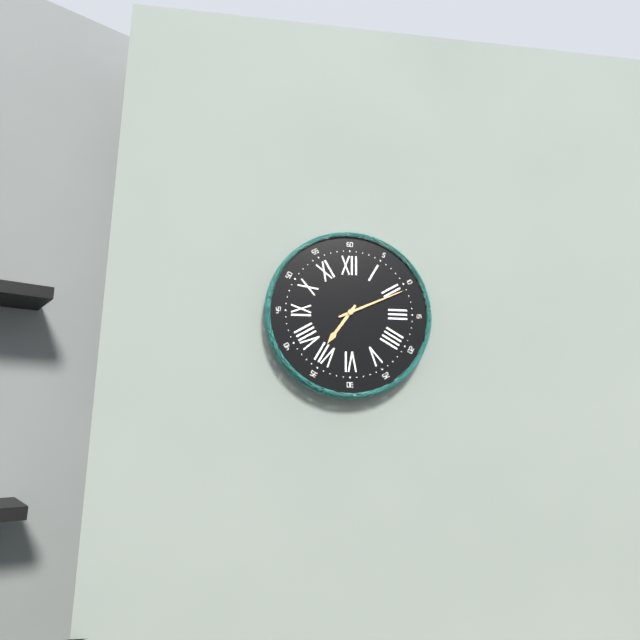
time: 7:11
